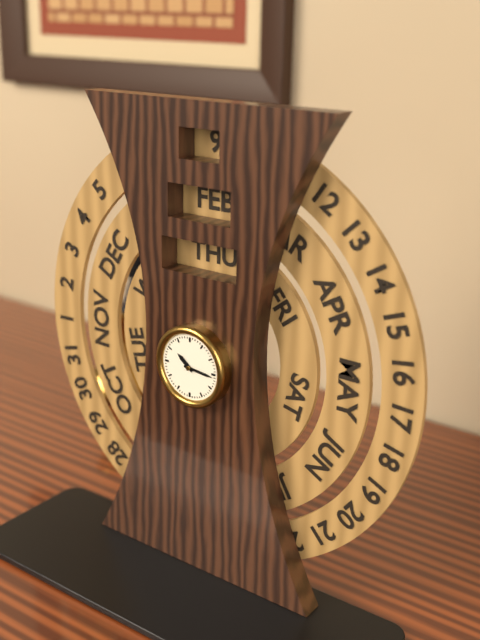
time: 10:16
